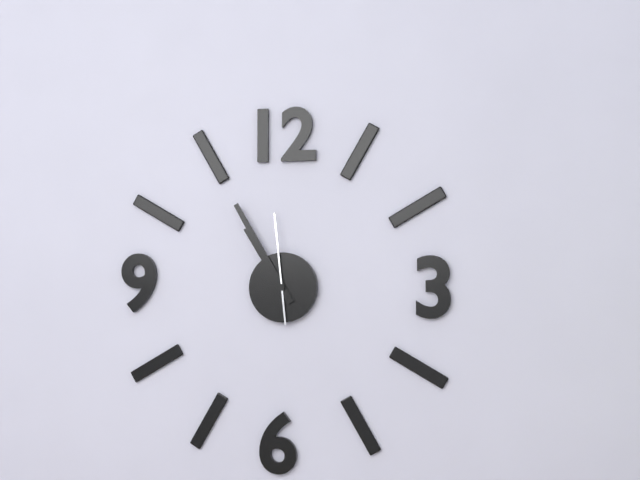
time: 10:55:59
